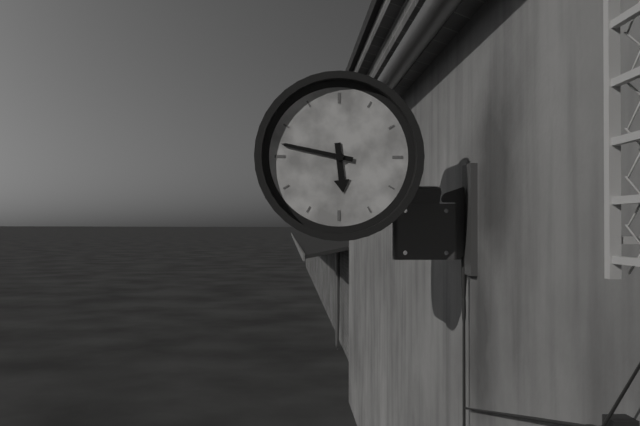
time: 5:47
